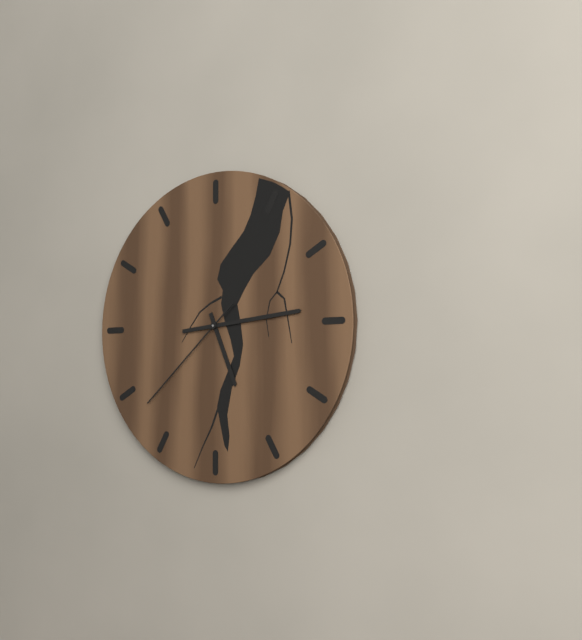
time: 5:14:38
